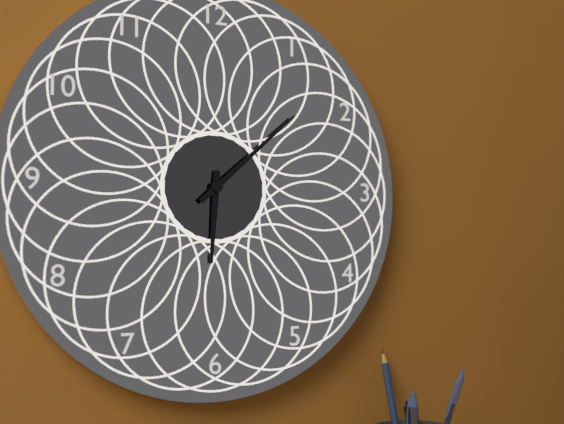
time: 6:08
